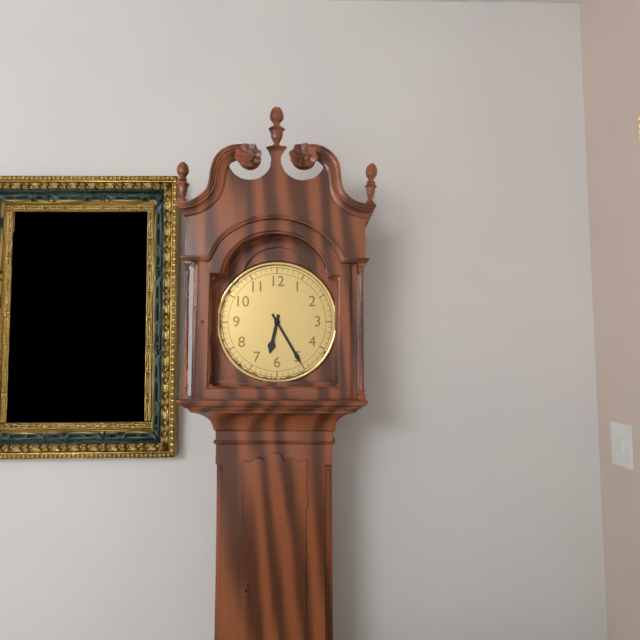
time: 6:25
